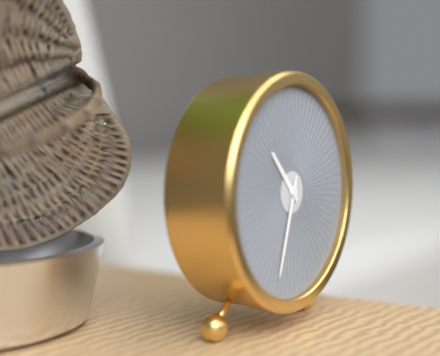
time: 10:33
